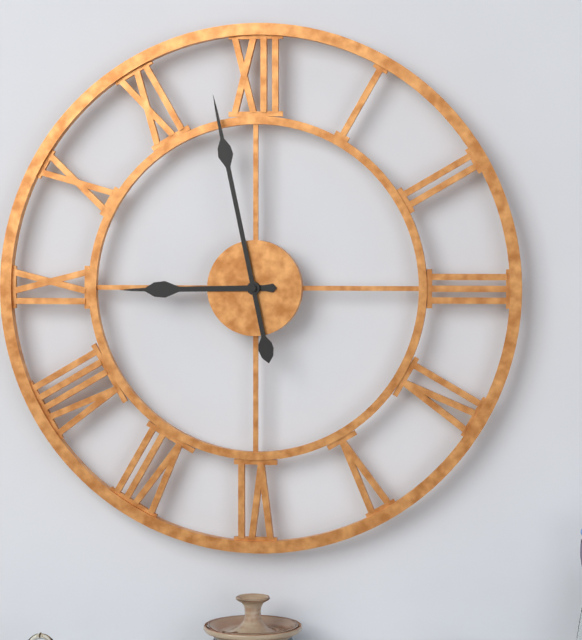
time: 8:58
